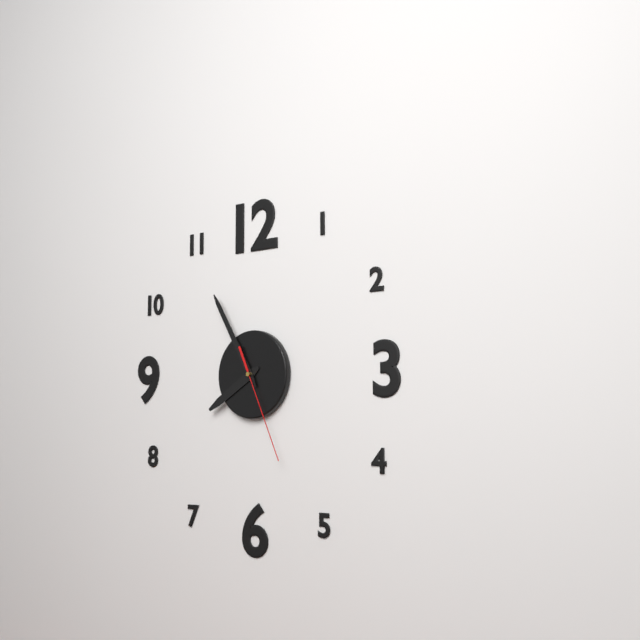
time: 7:55:26
